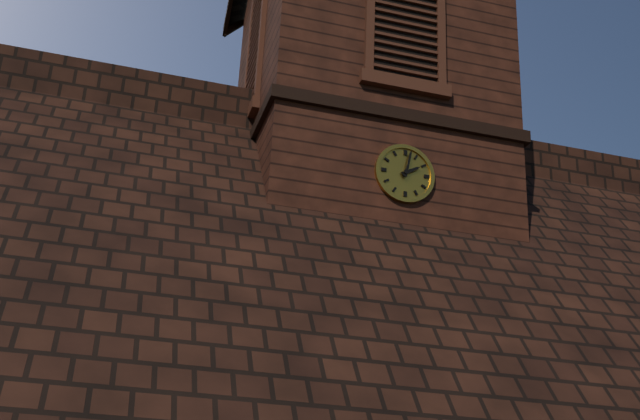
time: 2:02
